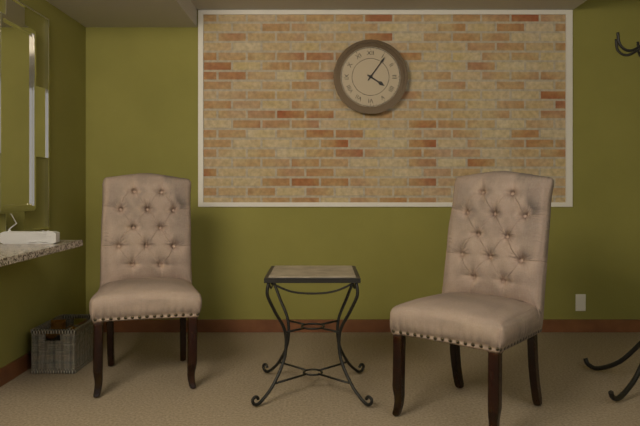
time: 4:06
